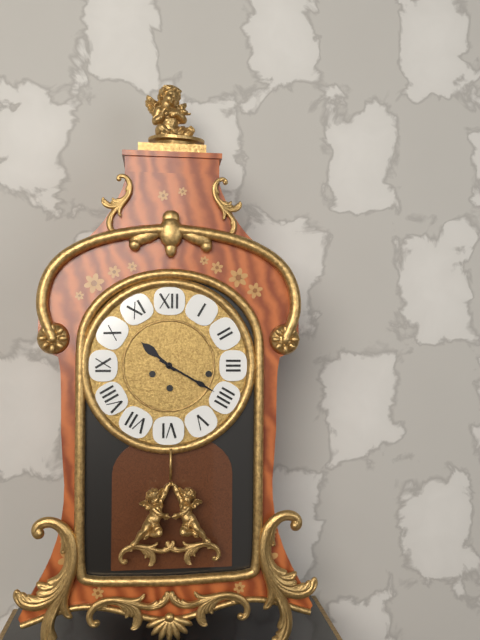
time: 10:20
